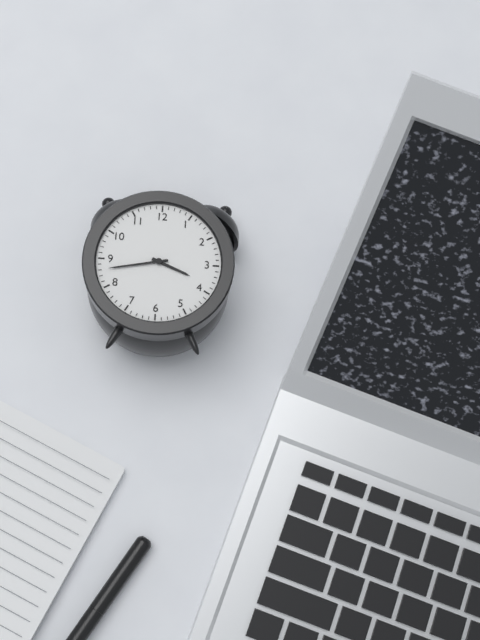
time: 3:43
